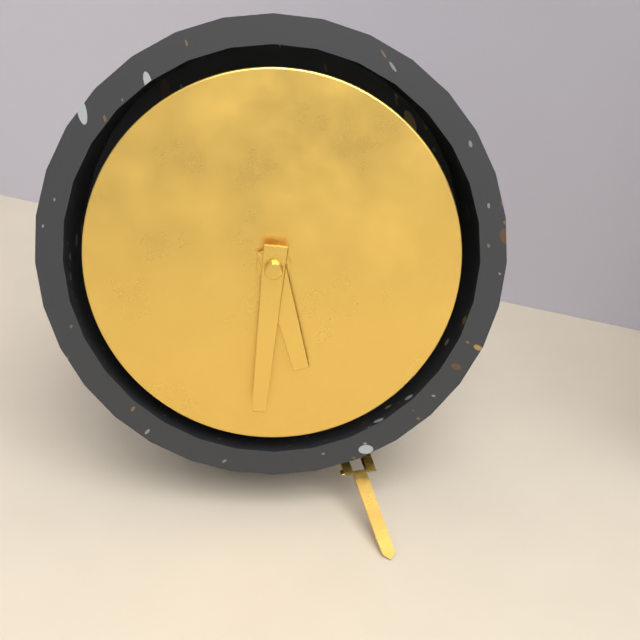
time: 5:31
